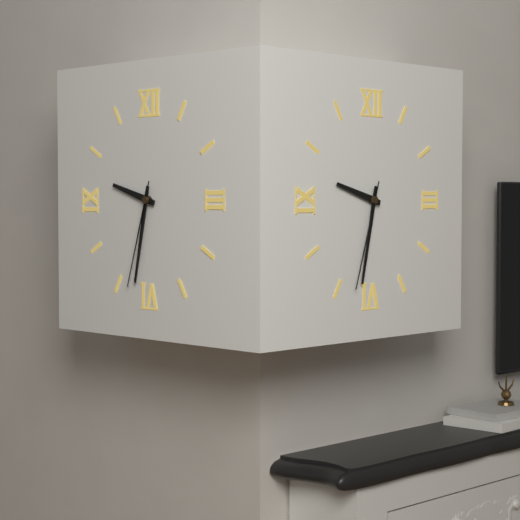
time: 9:32:33
